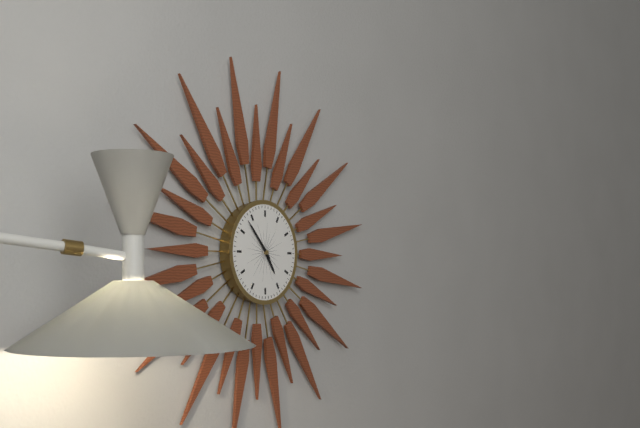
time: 4:53
